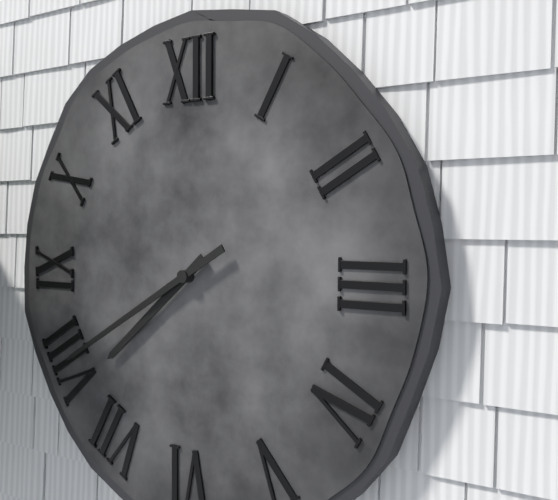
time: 7:40
